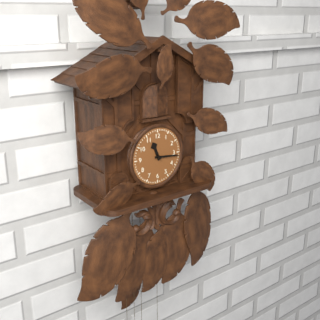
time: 11:16
